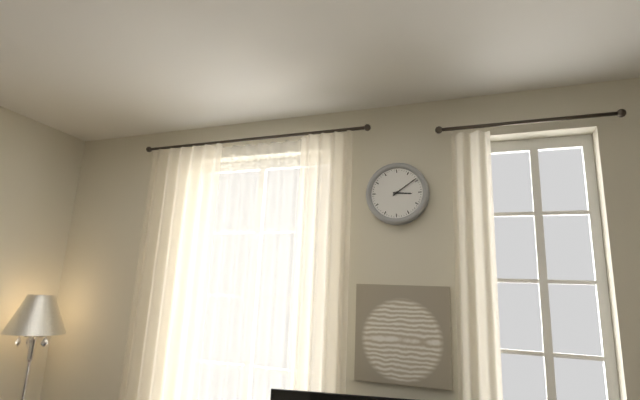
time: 3:09
